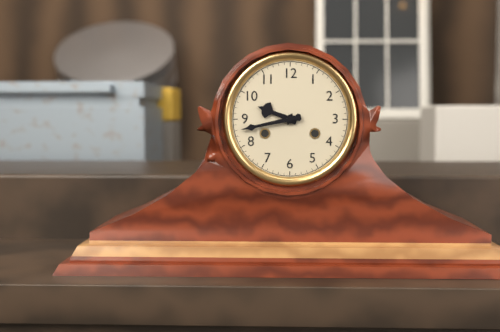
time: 9:43
